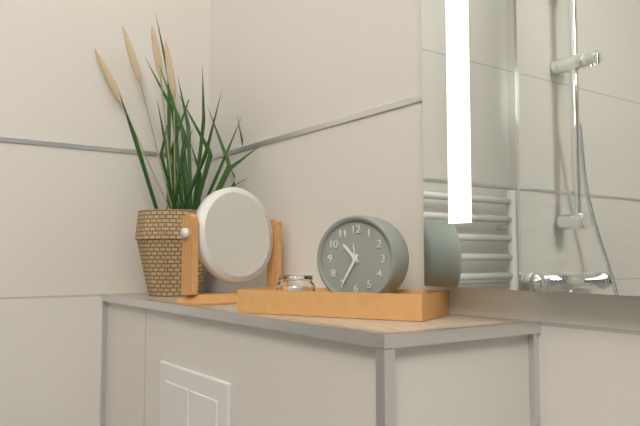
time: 10:35
